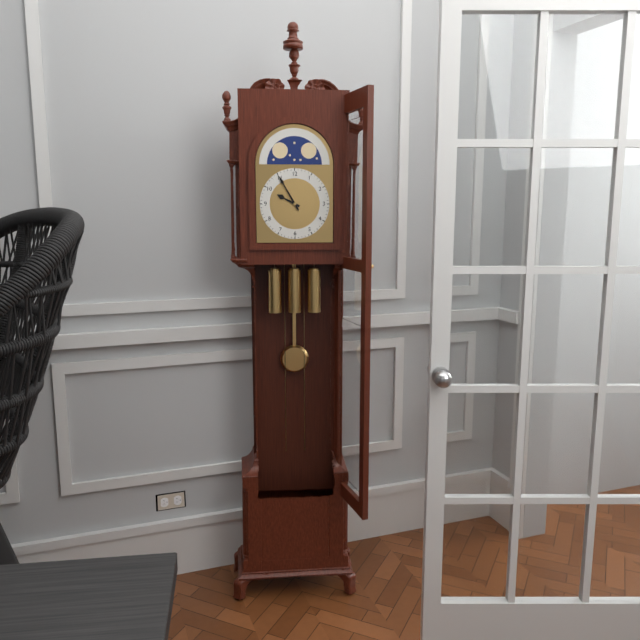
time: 9:55
